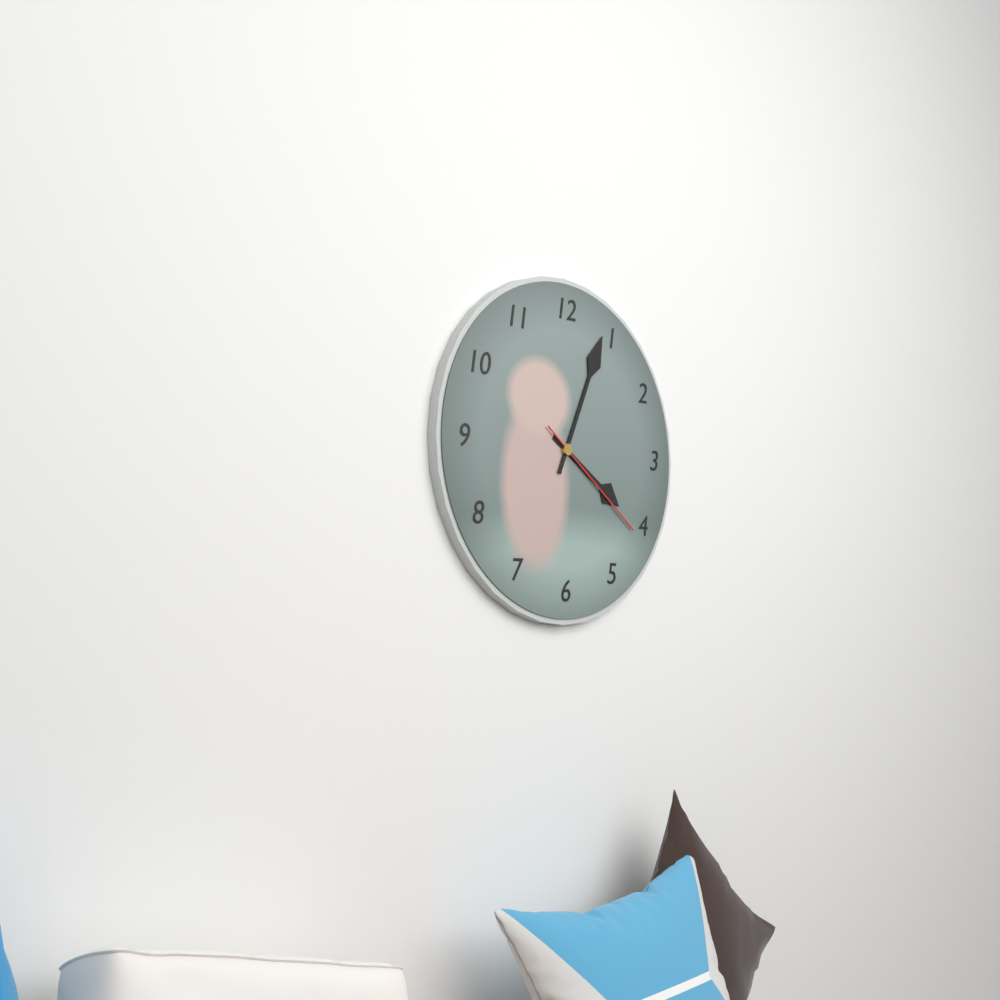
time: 4:04:21
